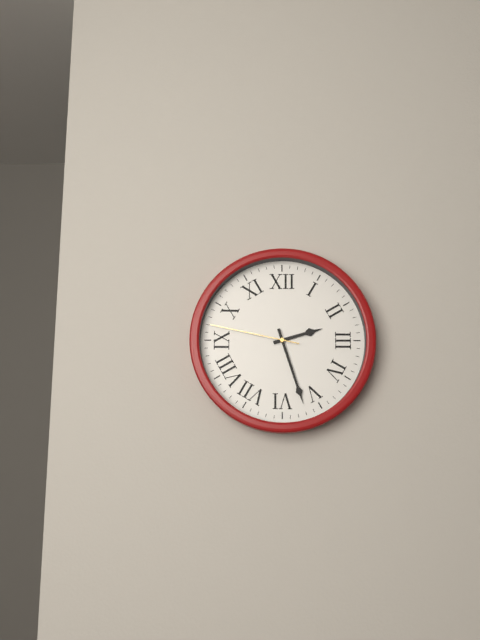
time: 2:27:47
